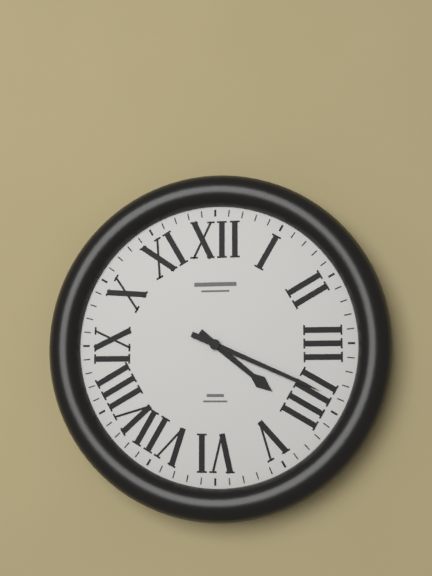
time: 4:19
